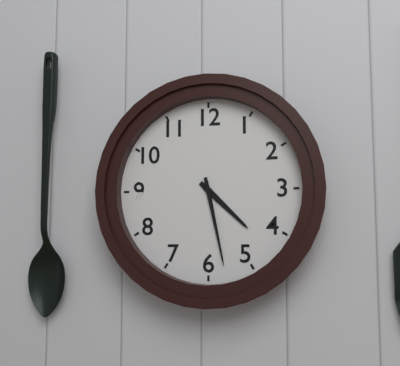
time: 4:28
